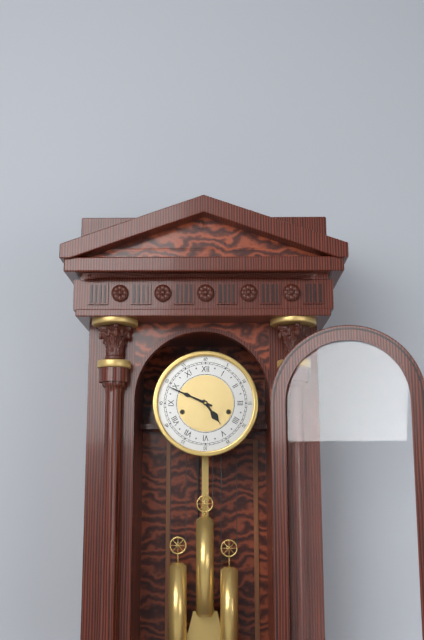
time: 4:49
